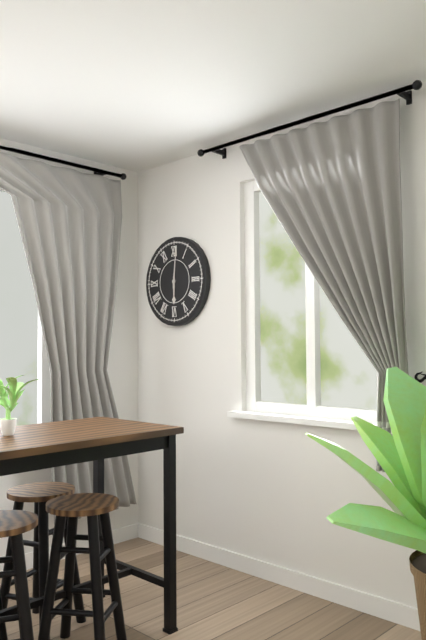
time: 6:01
